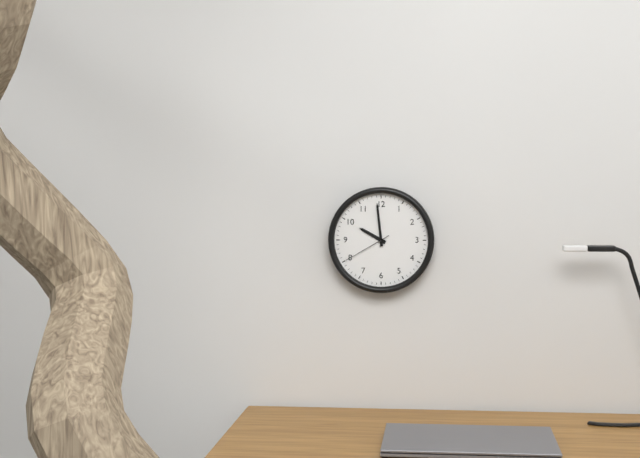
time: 9:59:40
